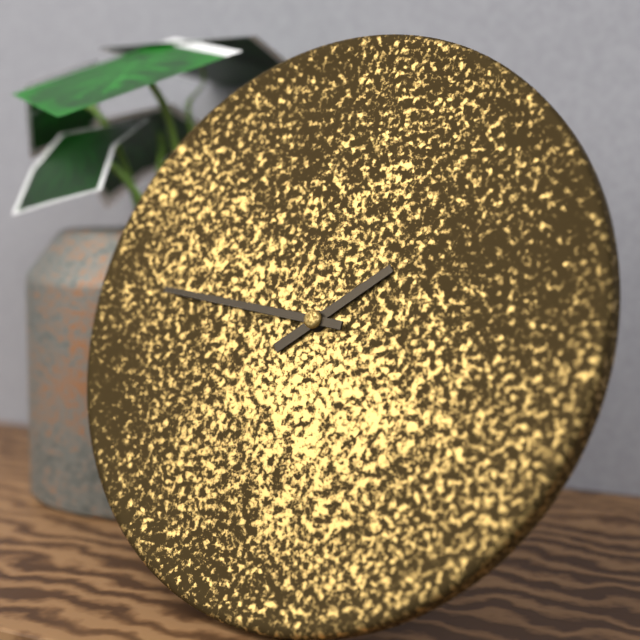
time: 1:46
